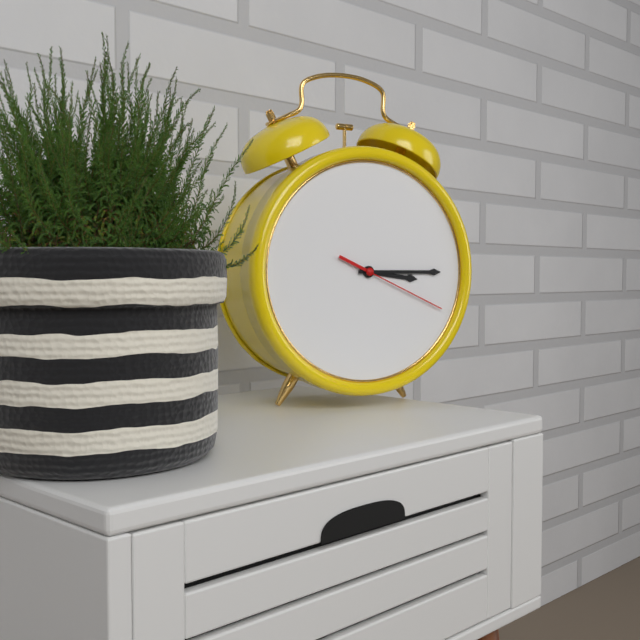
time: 3:15:19
